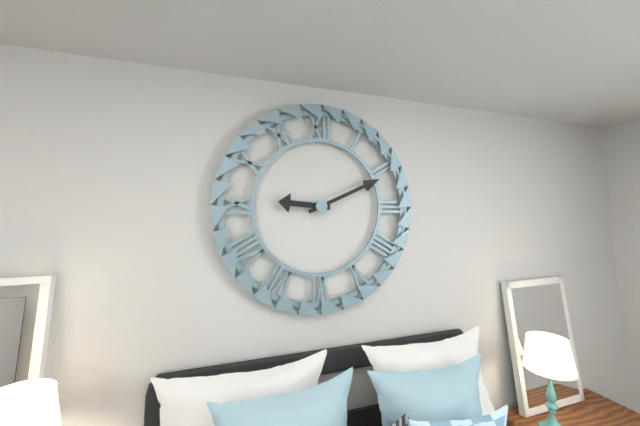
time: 9:11
